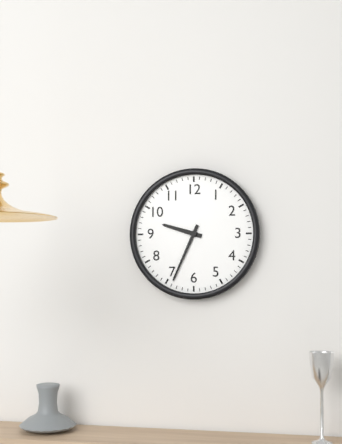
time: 9:34
